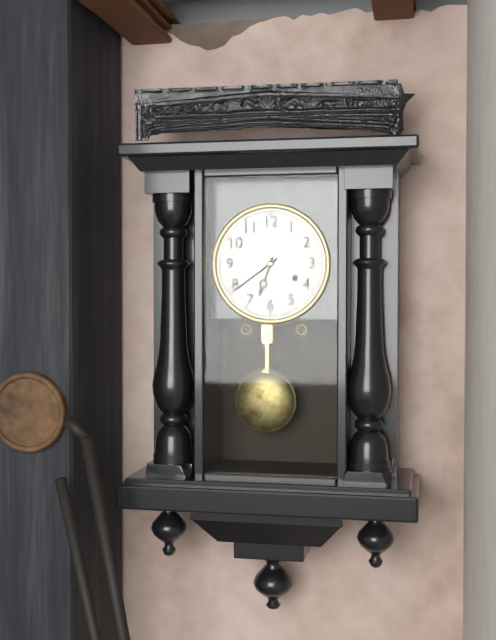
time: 6:39
